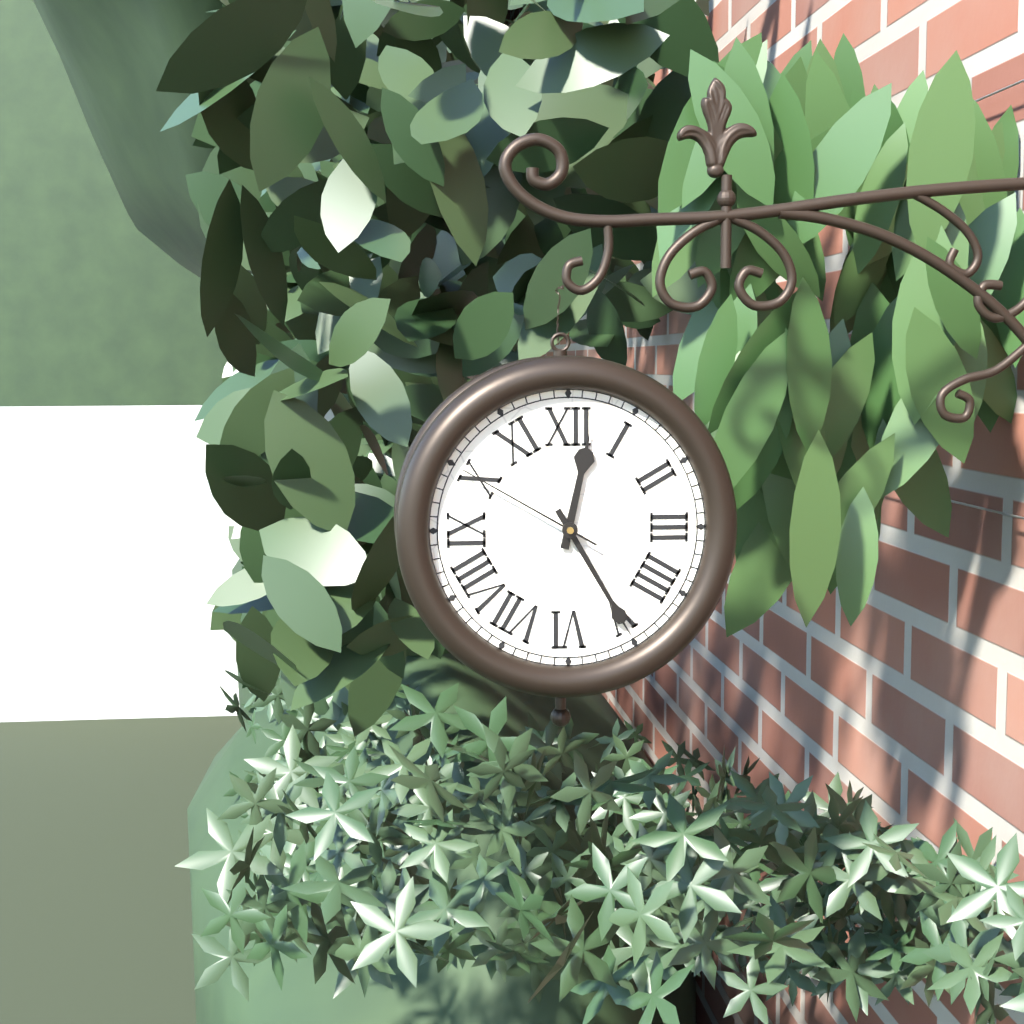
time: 12:25:50
